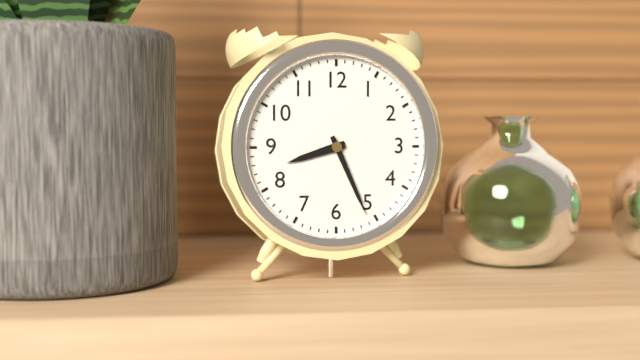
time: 8:26
